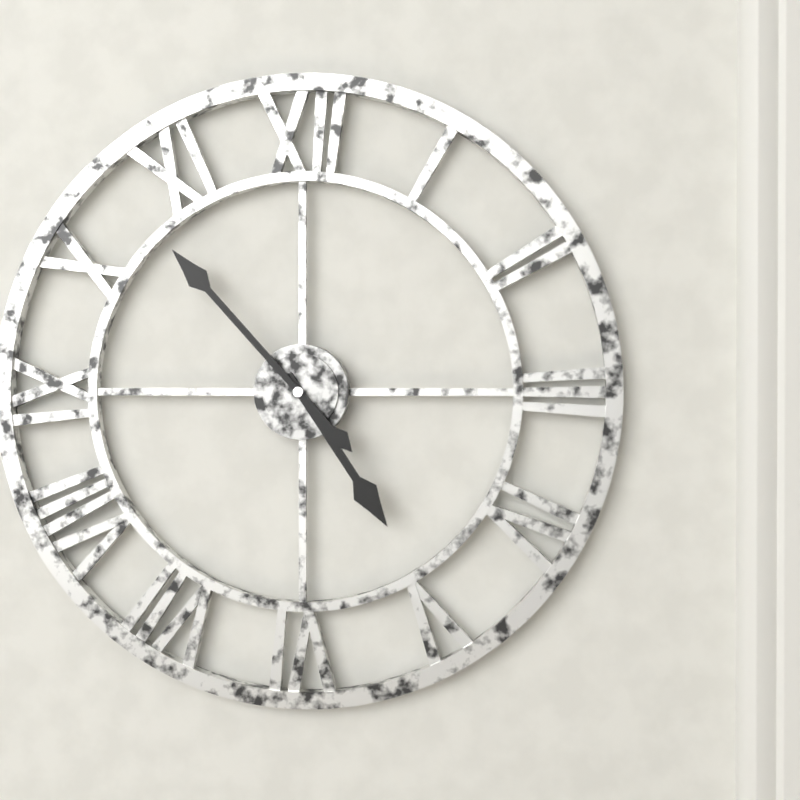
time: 4:53
